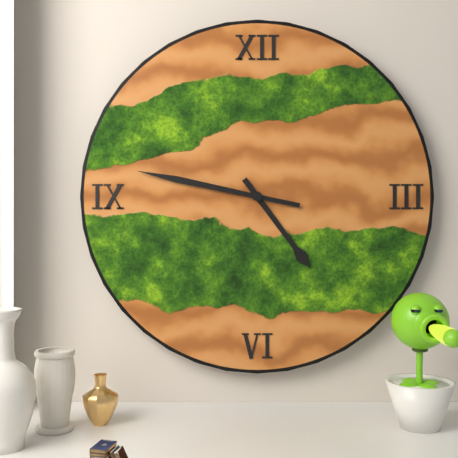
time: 4:47
